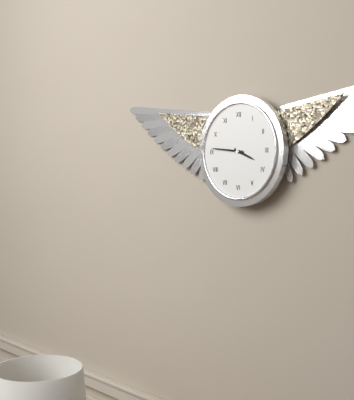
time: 3:46
